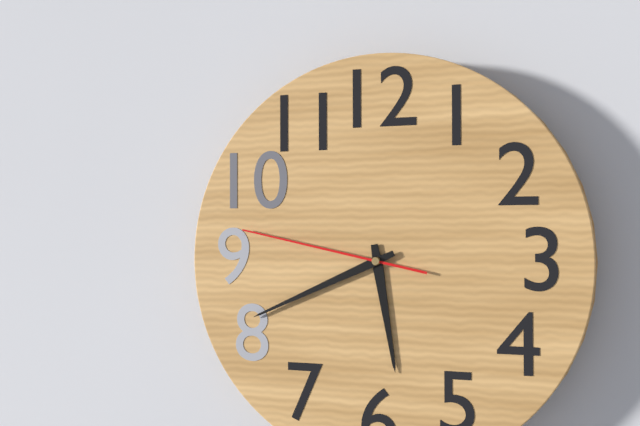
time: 5:41:47
